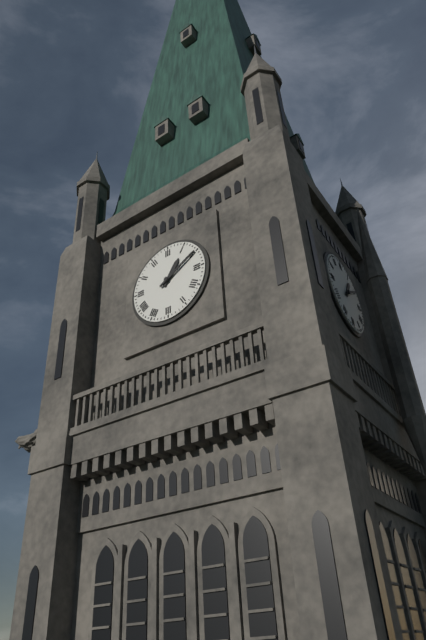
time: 1:10
